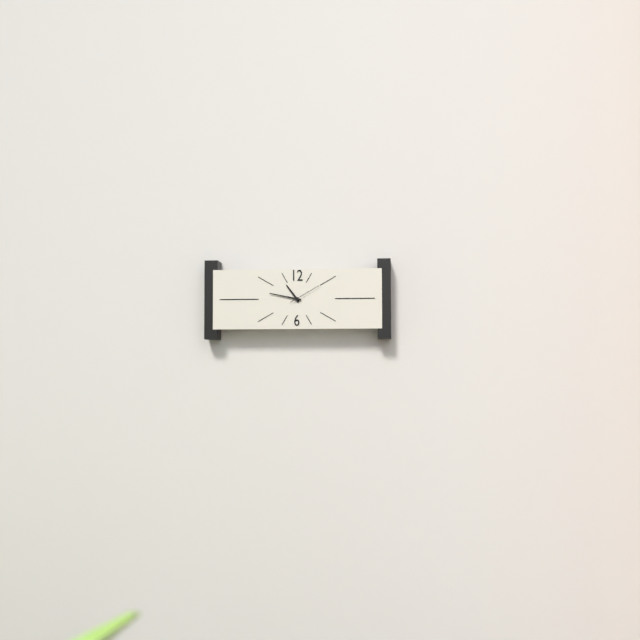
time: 10:47
